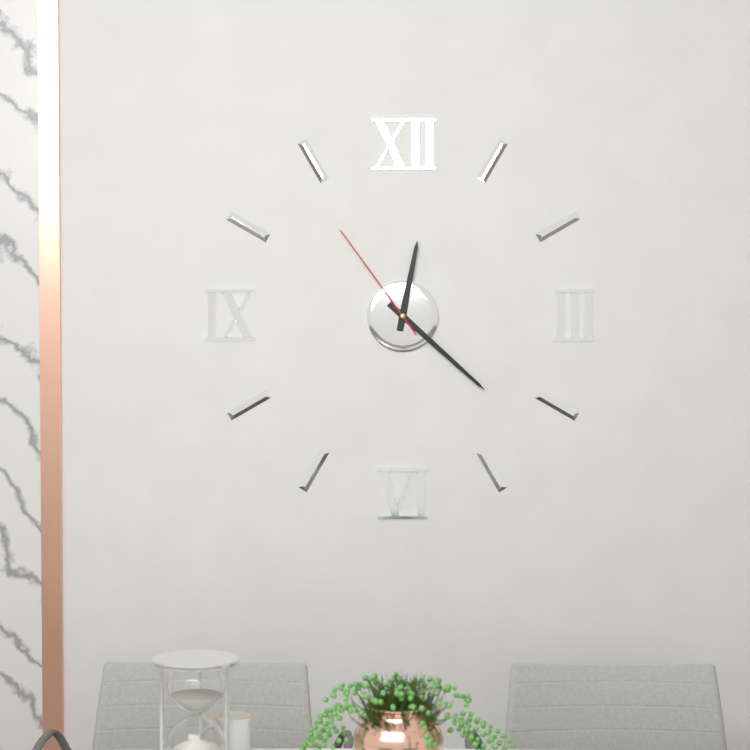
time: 12:22:54
